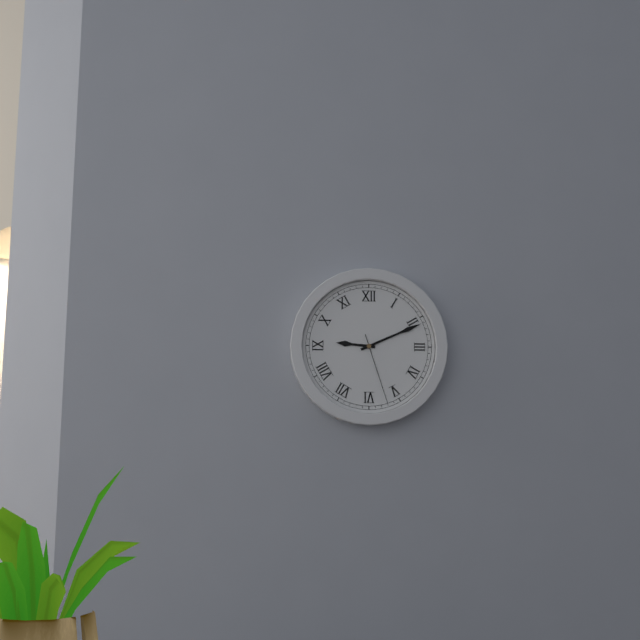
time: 9:11:27
